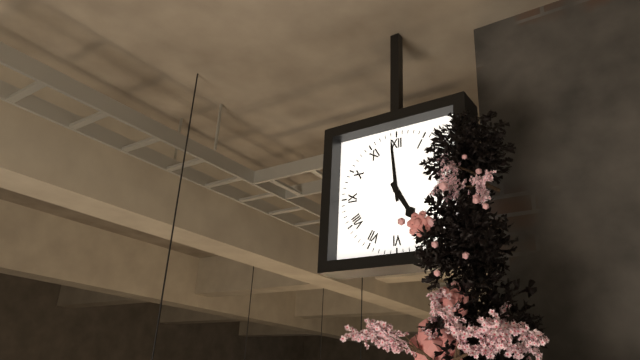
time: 4:59
